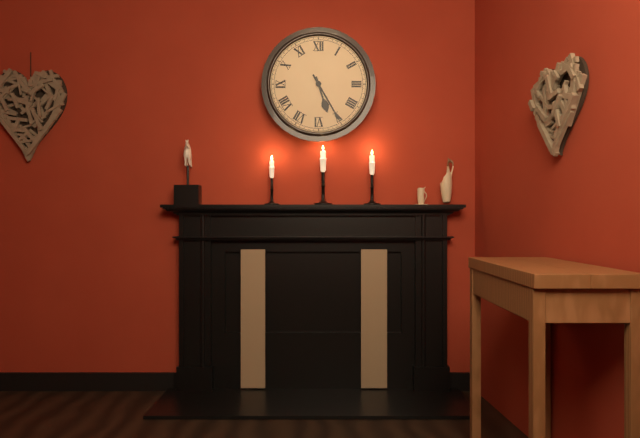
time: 5:25
